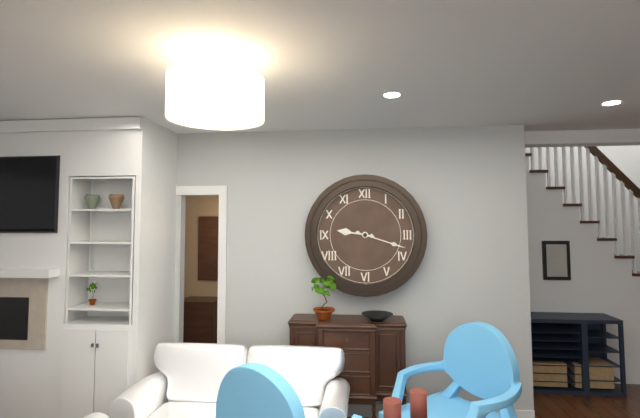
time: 9:18
